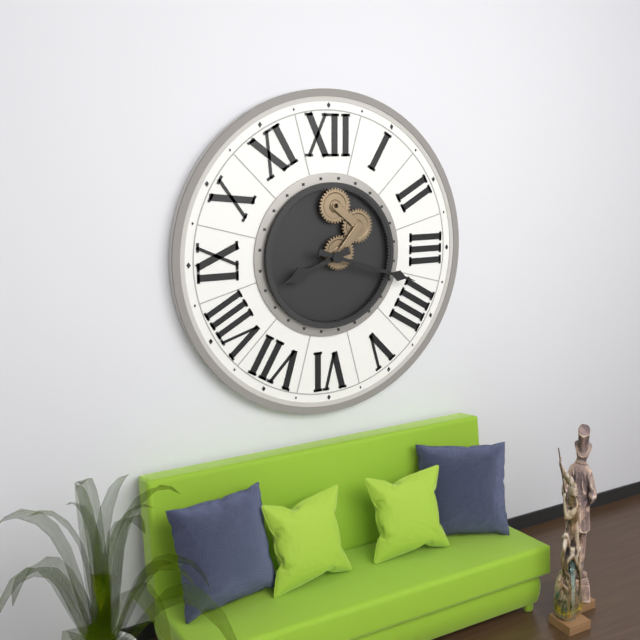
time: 8:18
